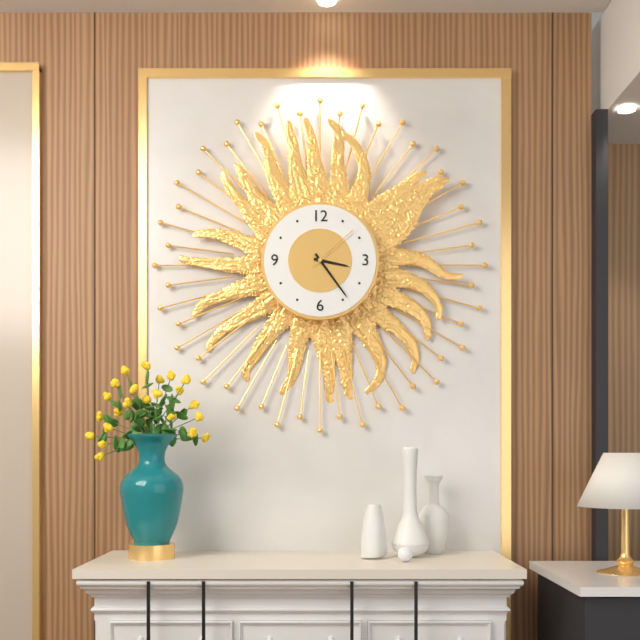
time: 3:24:08
